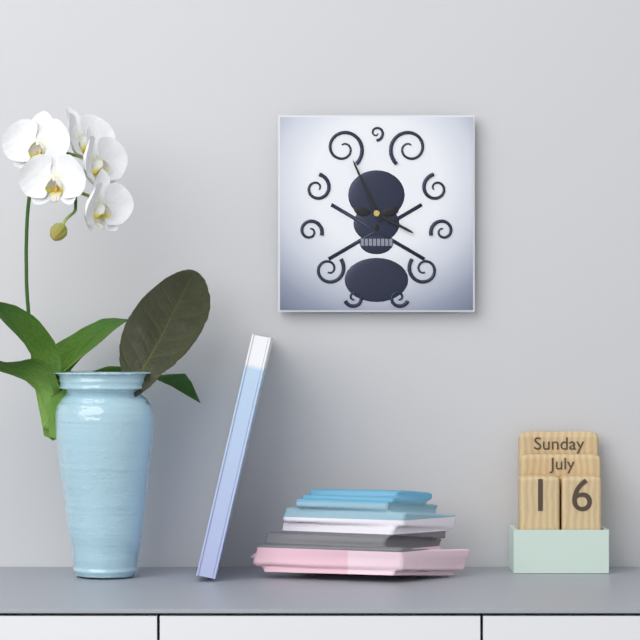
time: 3:56
